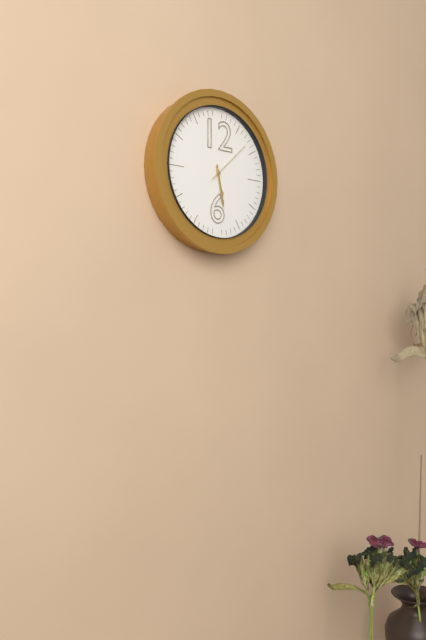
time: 5:28
